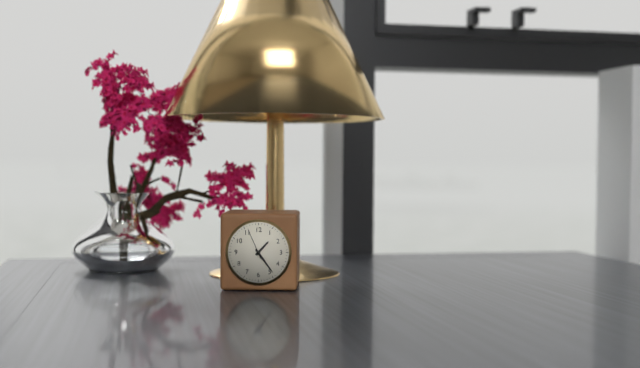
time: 1:24
